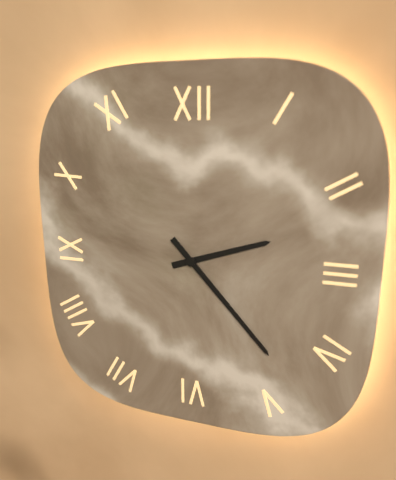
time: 2:23
